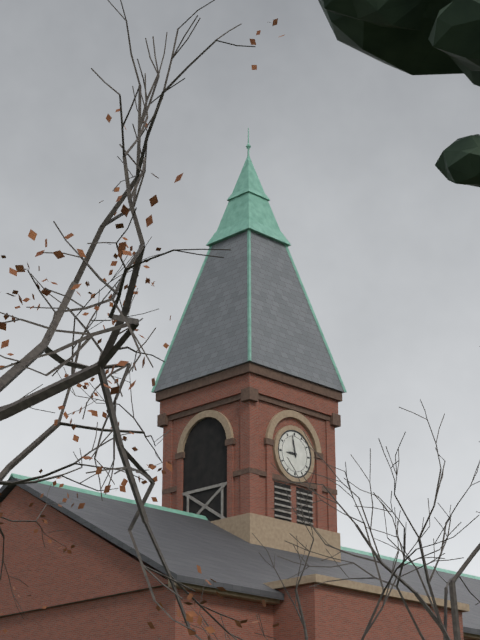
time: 8:58
